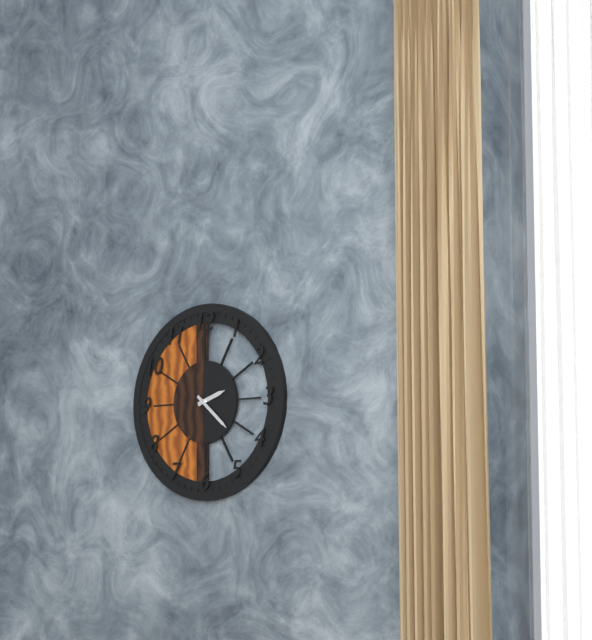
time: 2:22
